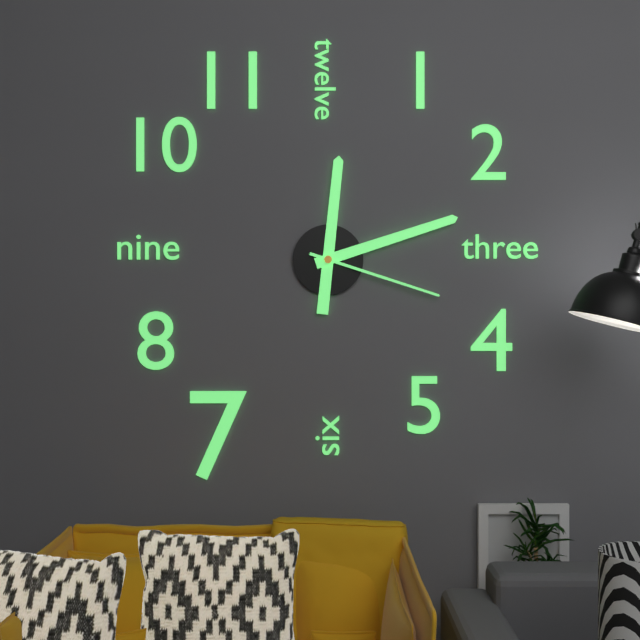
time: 12:12:18
